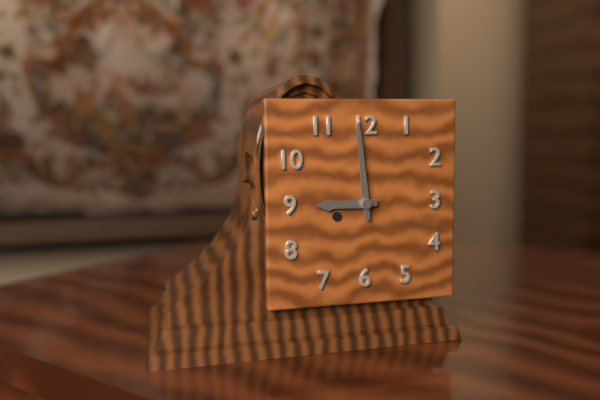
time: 8:59
